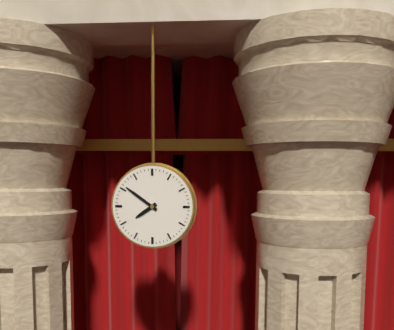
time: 7:51
